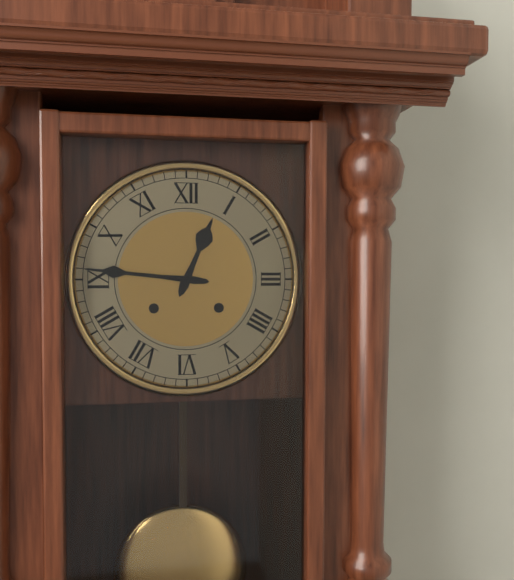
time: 12:46
